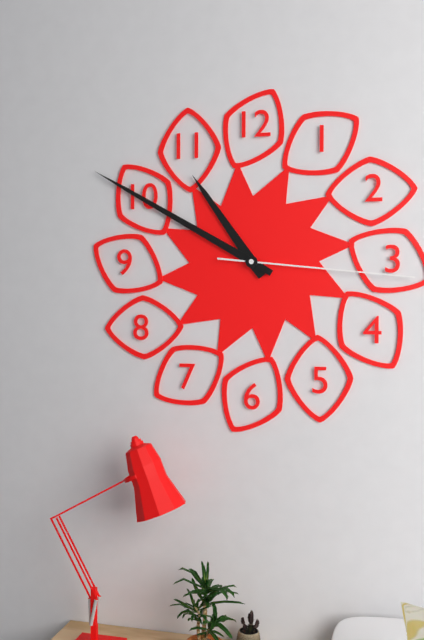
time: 10:50:16
